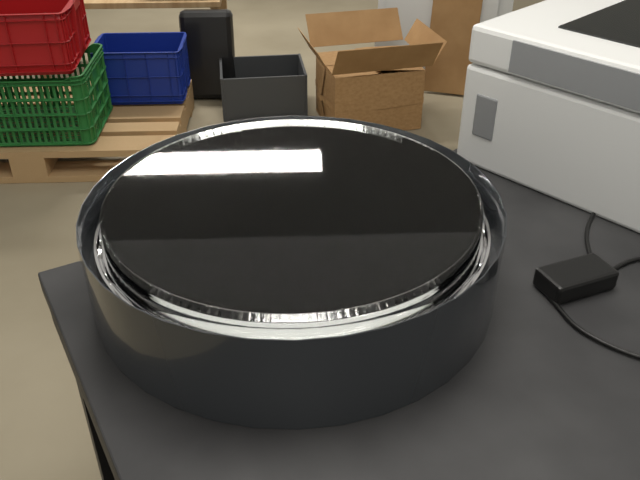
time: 12:39
